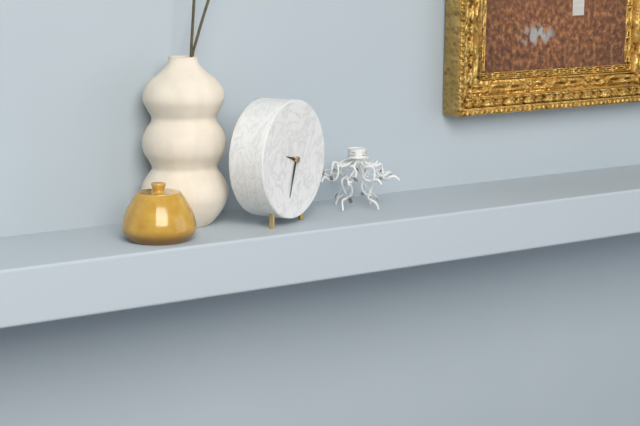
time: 9:33
